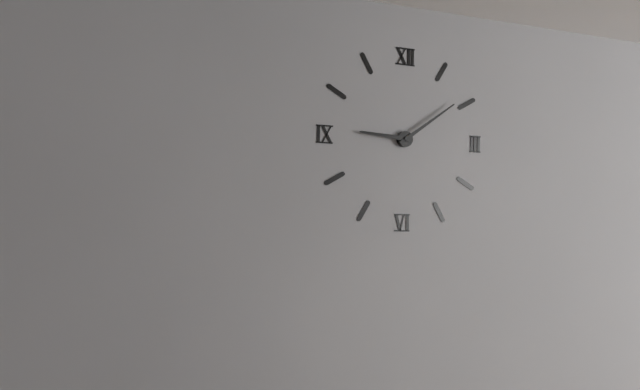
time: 9:09
